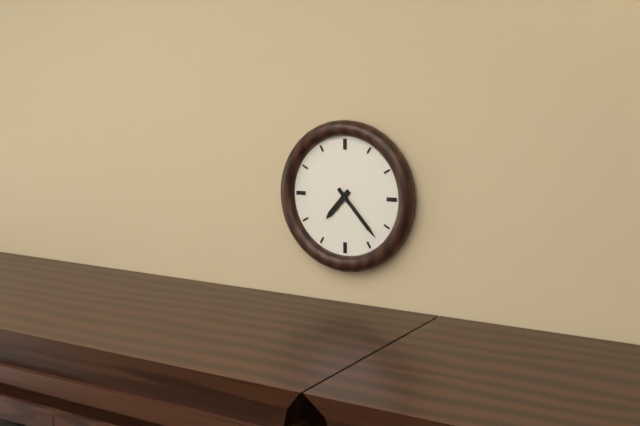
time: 7:23
